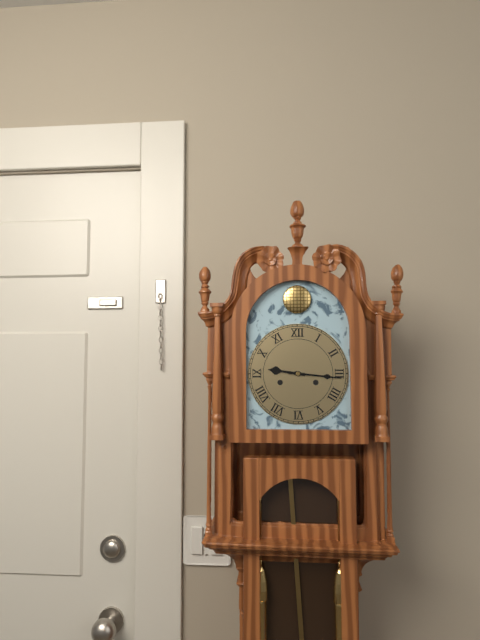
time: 9:16
